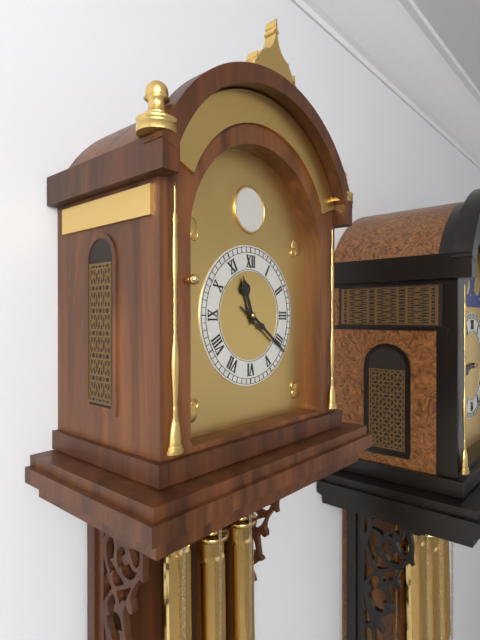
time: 11:21
